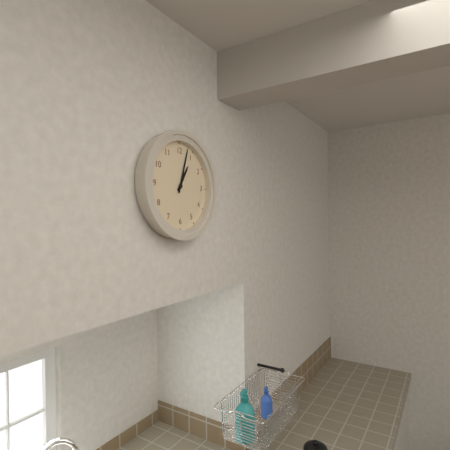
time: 1:03
